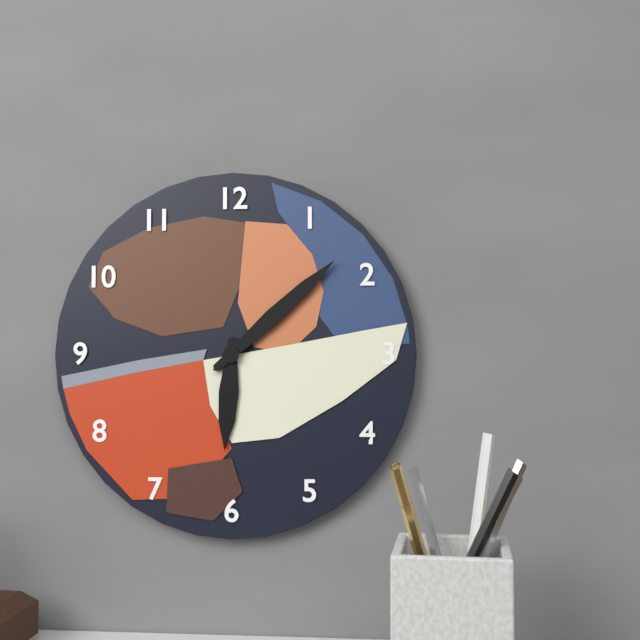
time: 6:08
